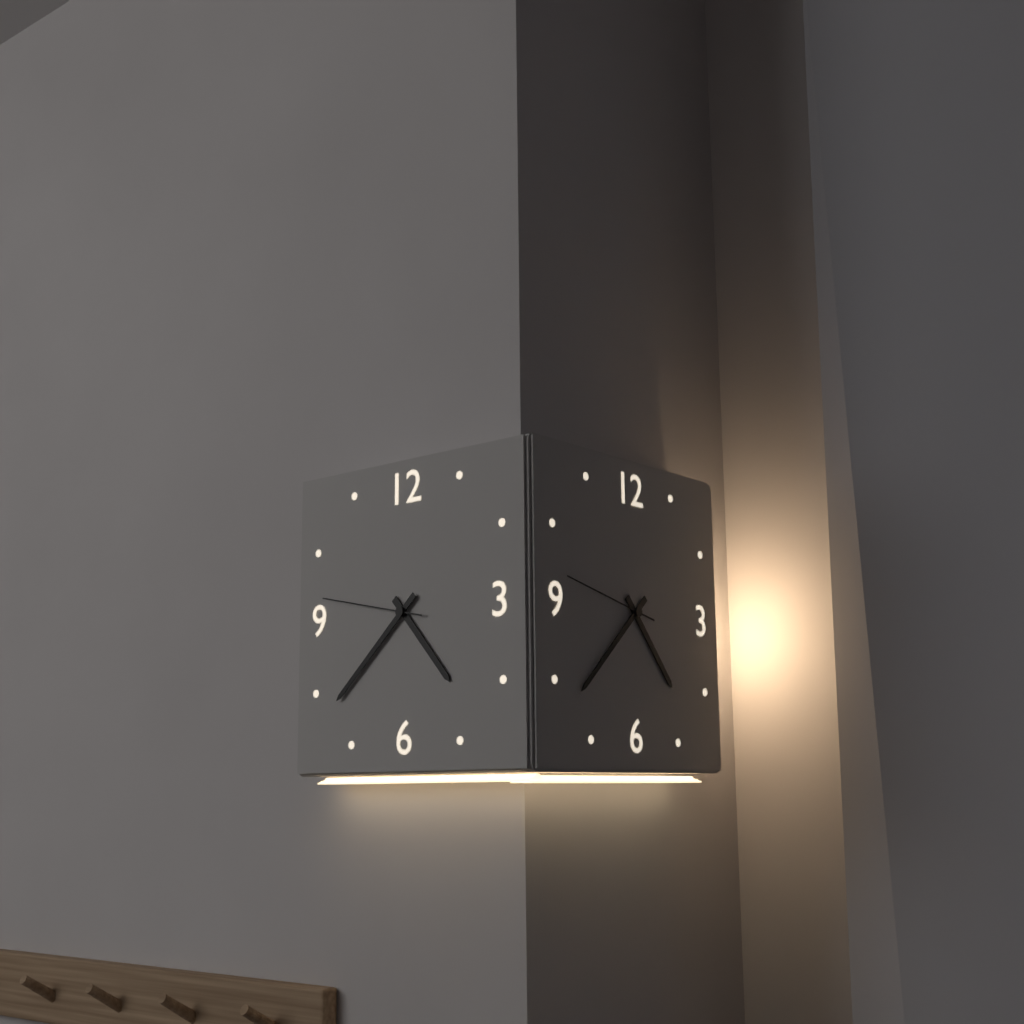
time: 4:38:47
